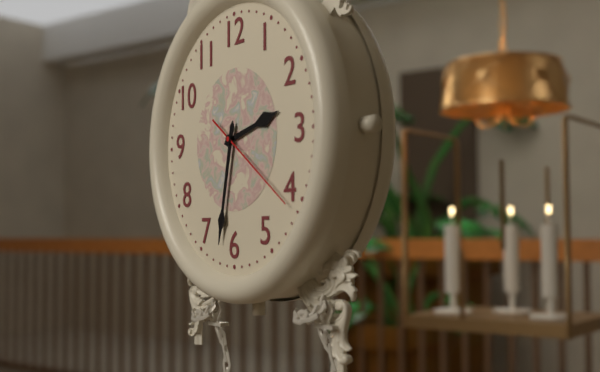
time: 2:32:21
